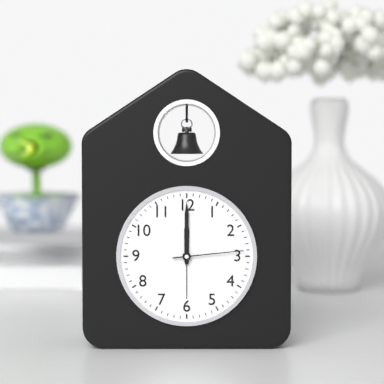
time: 12:00:14
